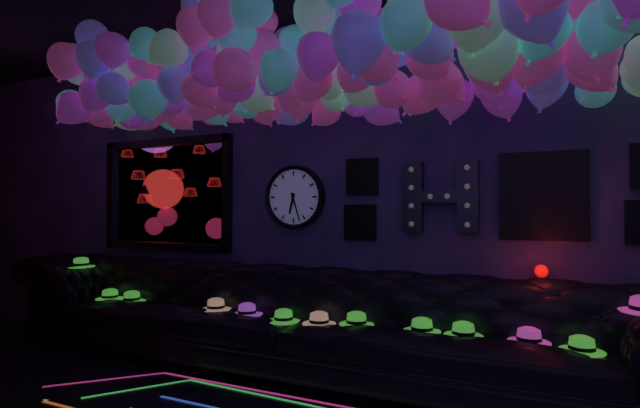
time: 6:27
